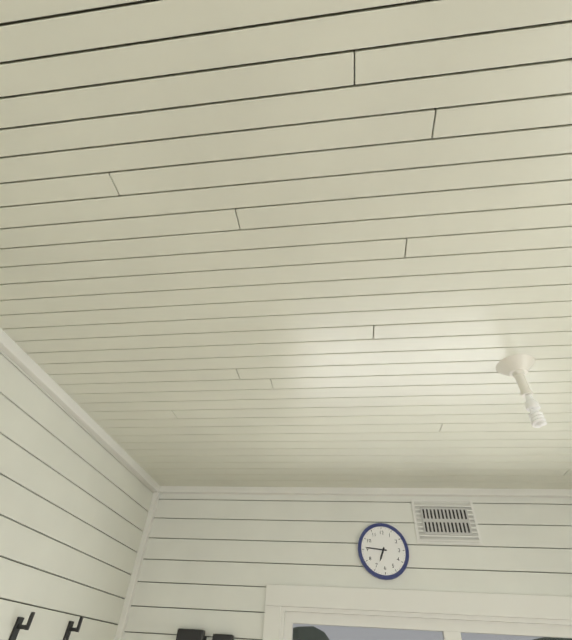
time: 6:46
